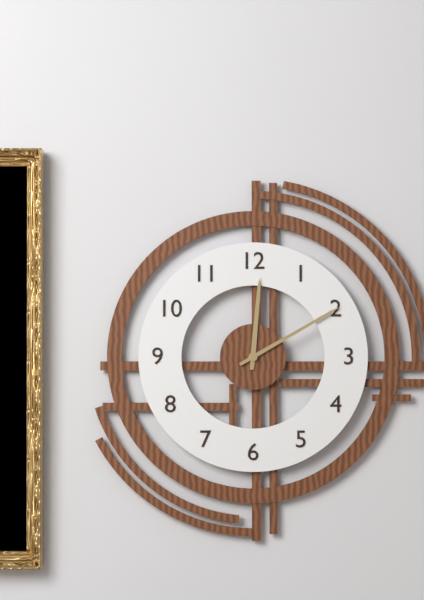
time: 12:10
